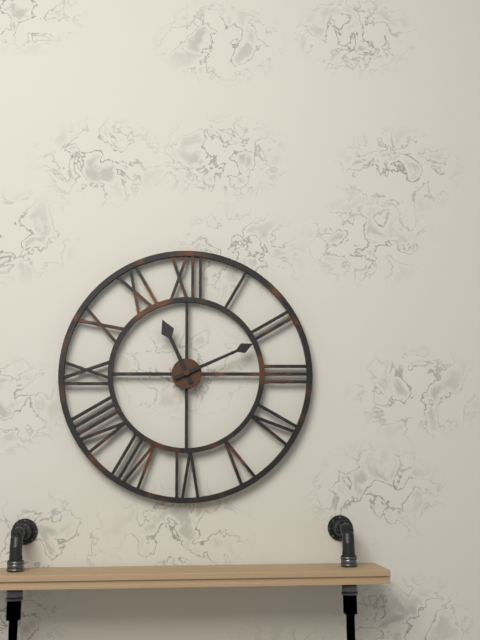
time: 11:11
